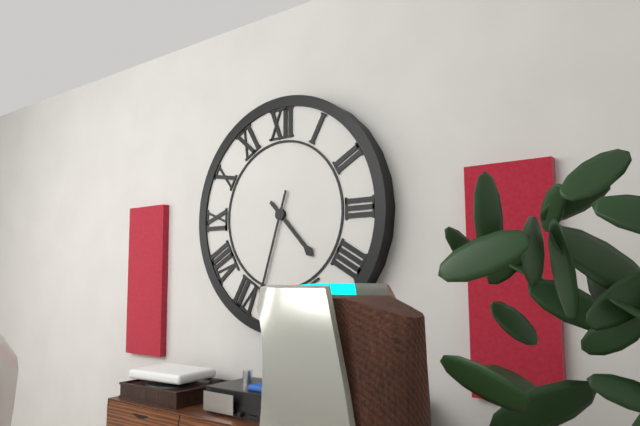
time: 4:33
